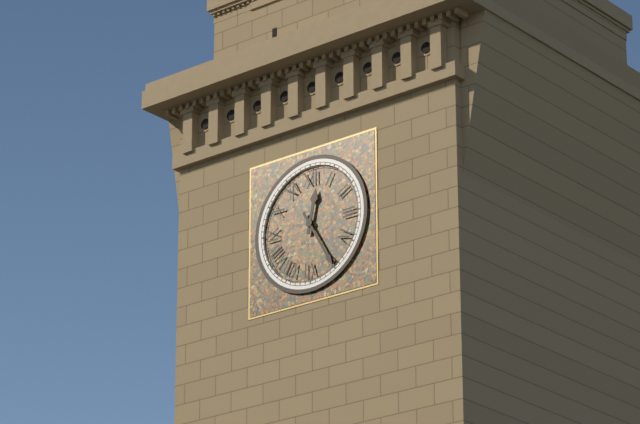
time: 12:25
